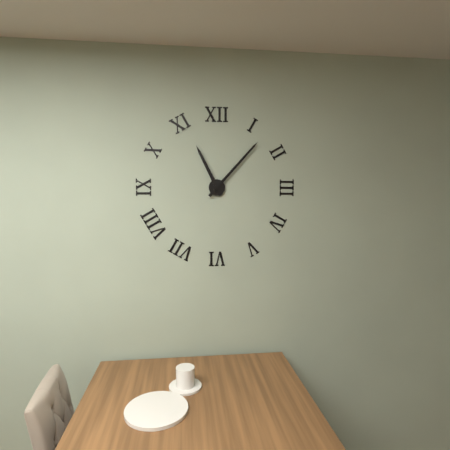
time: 11:07
